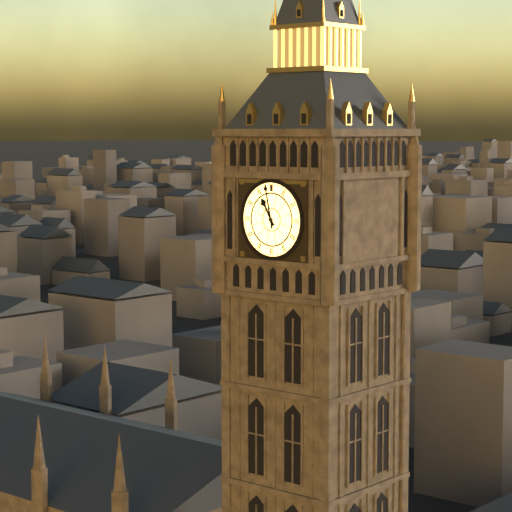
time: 10:58
